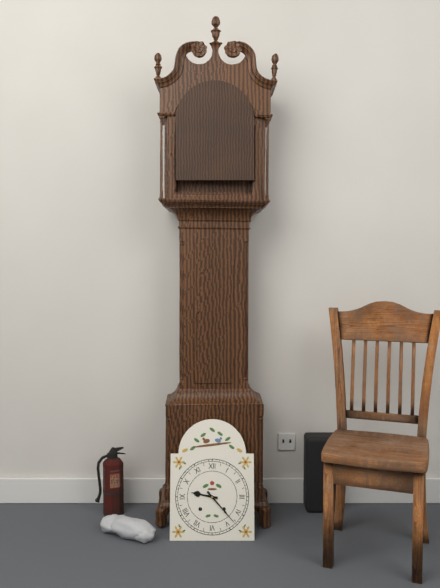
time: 9:23
